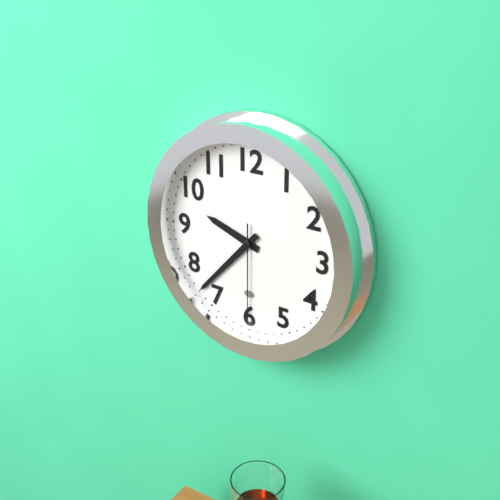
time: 9:37:30
